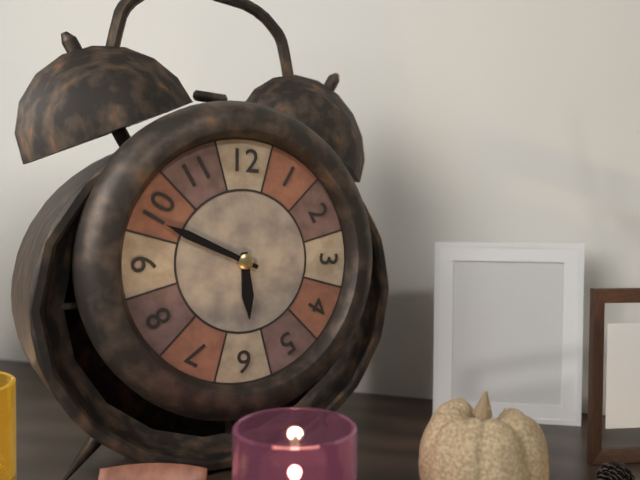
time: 5:49
